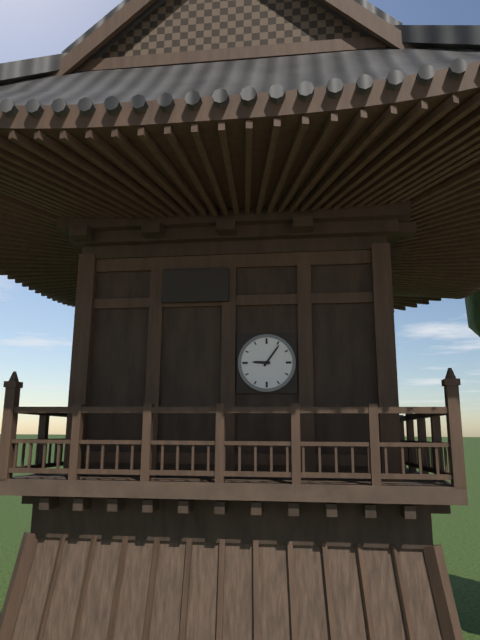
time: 9:06
